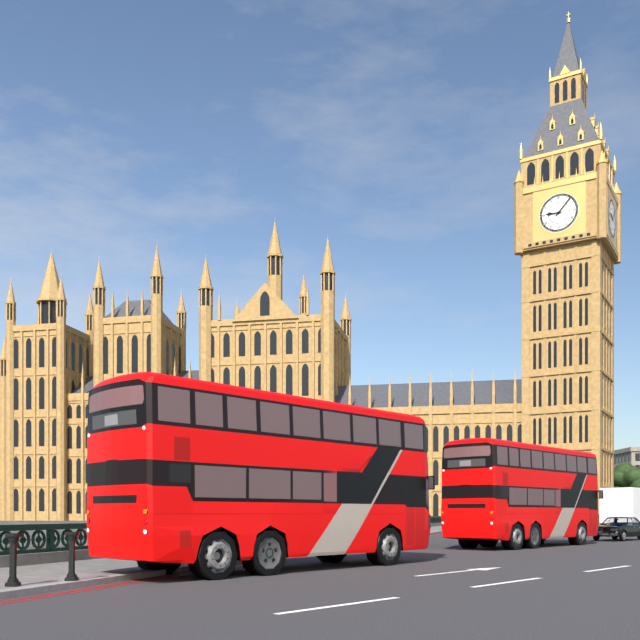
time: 9:07
